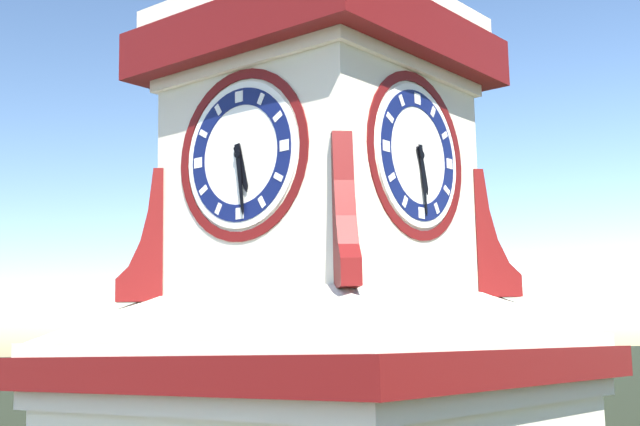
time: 5:29
